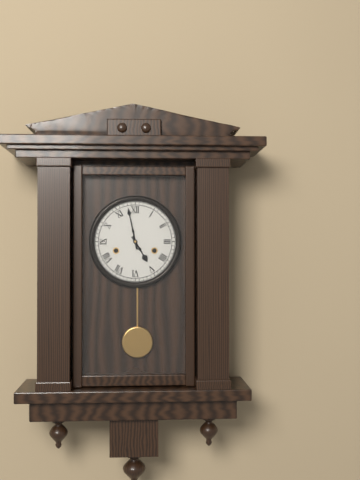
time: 4:58
